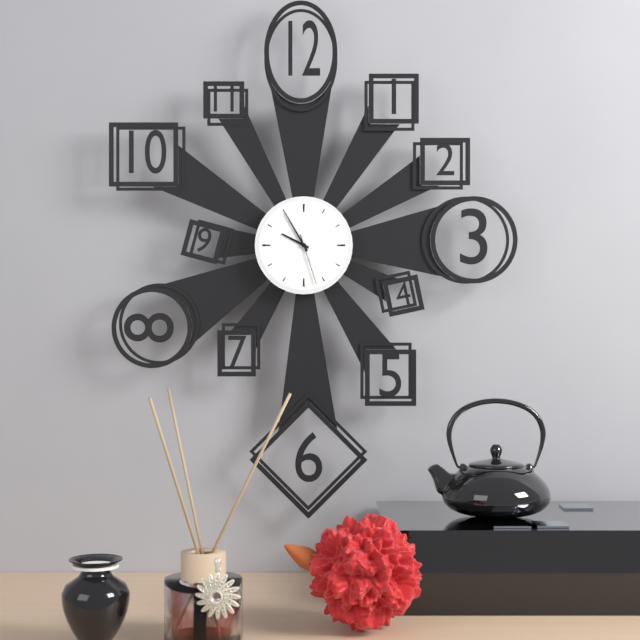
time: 9:55:27
